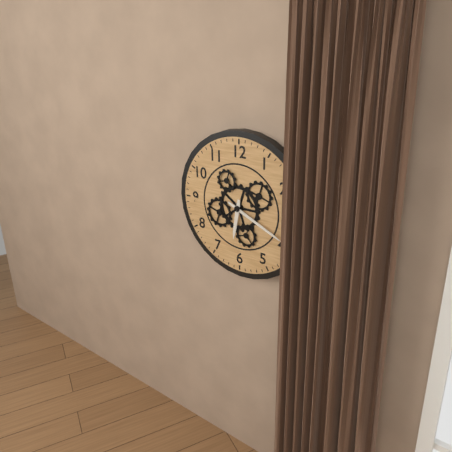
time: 6:19
